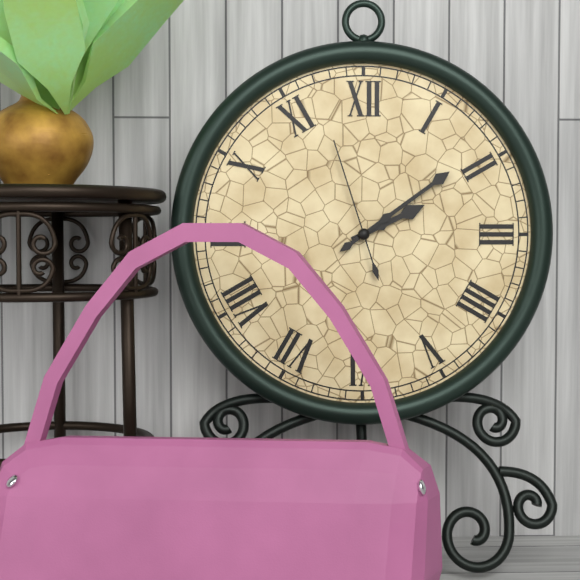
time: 2:09:57
